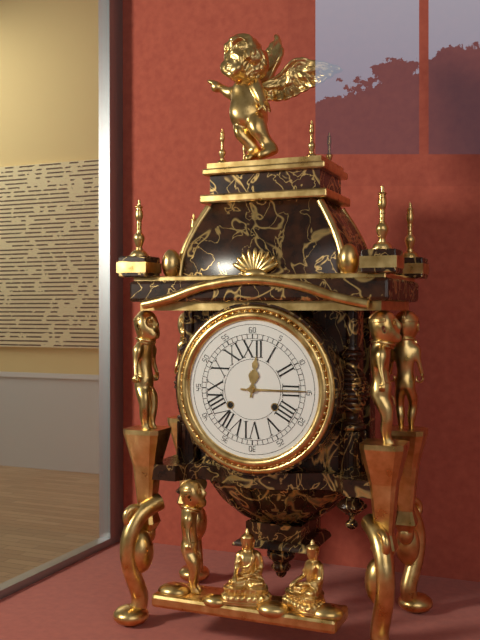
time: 12:15
